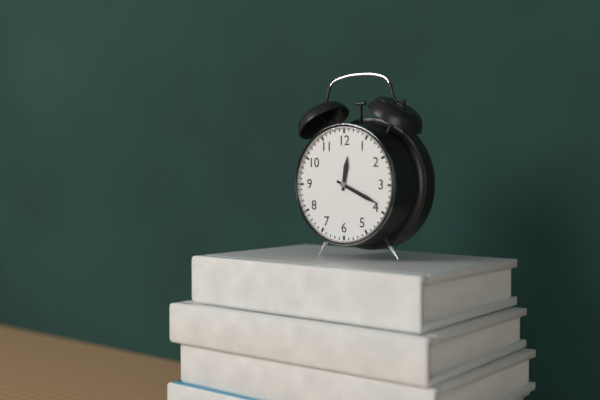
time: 12:19
